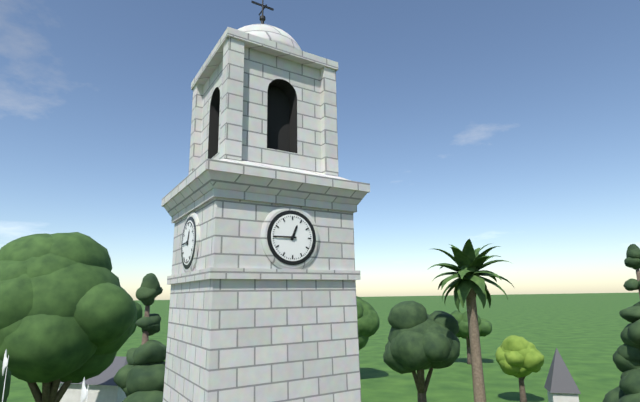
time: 12:45
